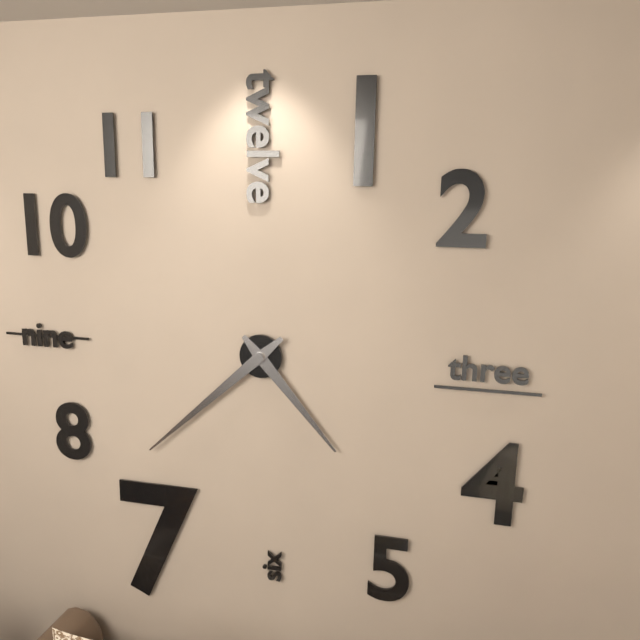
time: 4:38
